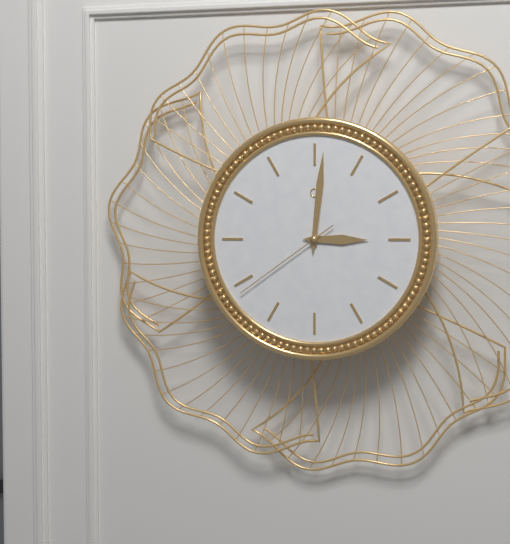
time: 3:01:39
